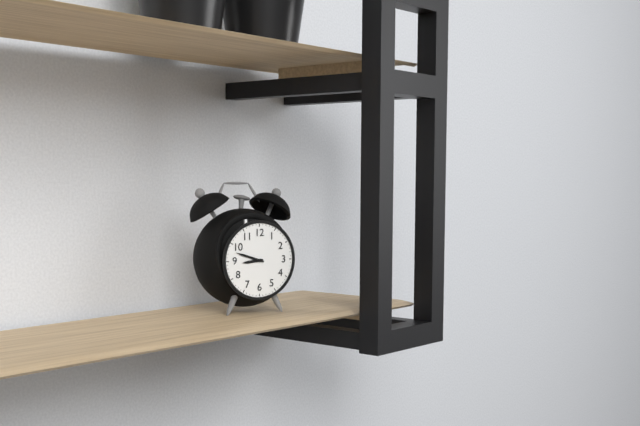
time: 8:48
